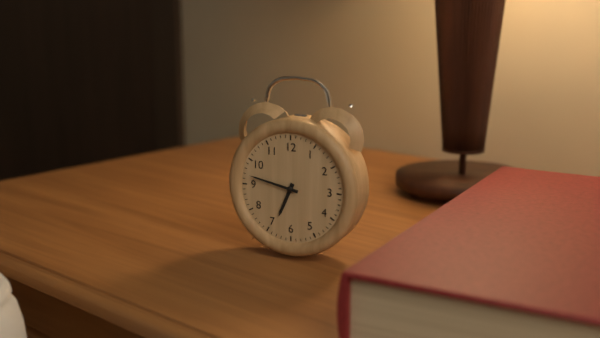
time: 6:47
